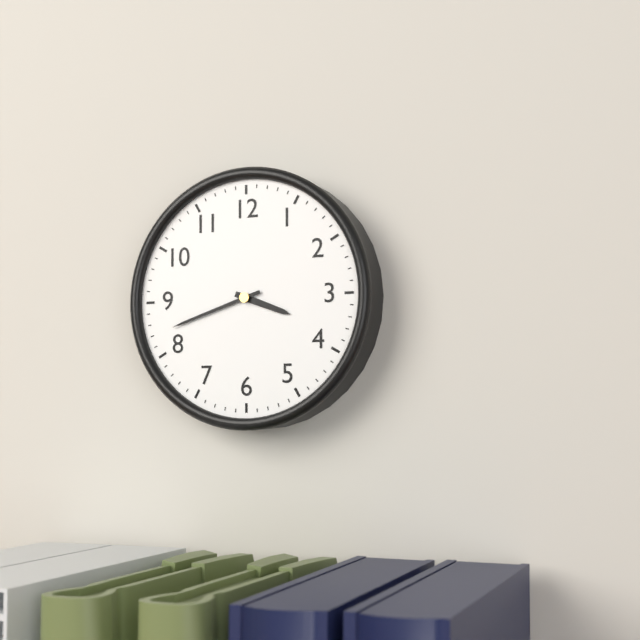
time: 3:42
